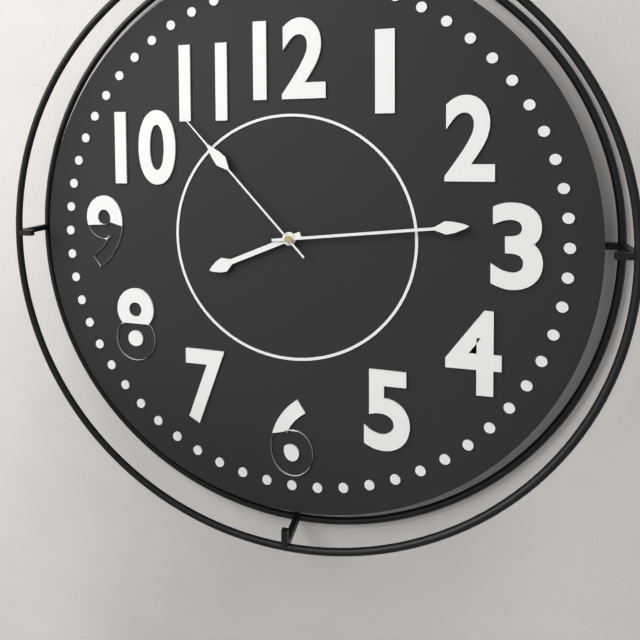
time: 8:14:53
